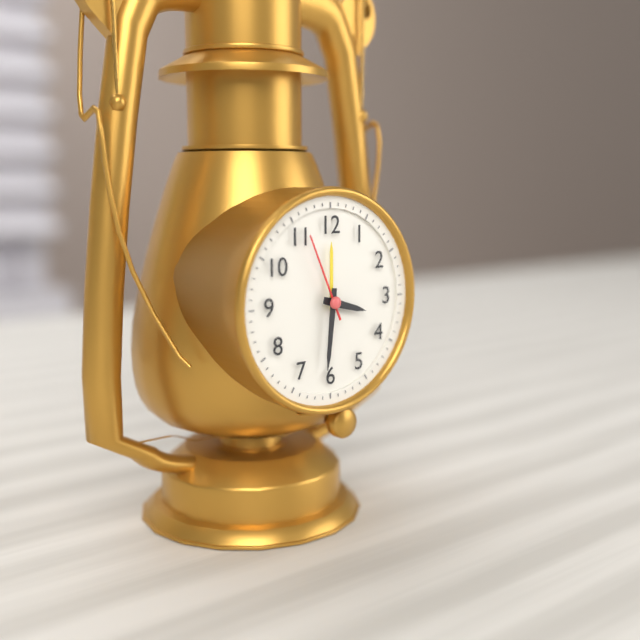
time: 3:31:56
